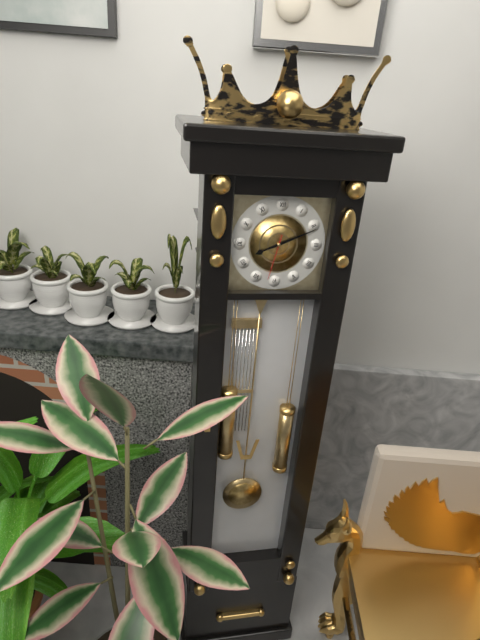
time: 8:11
